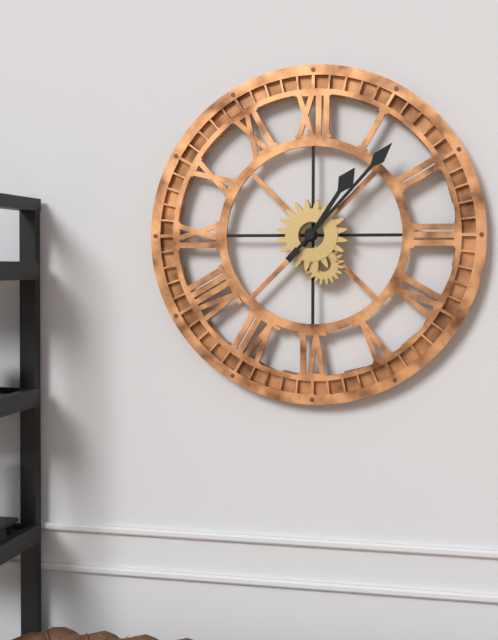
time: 1:07
